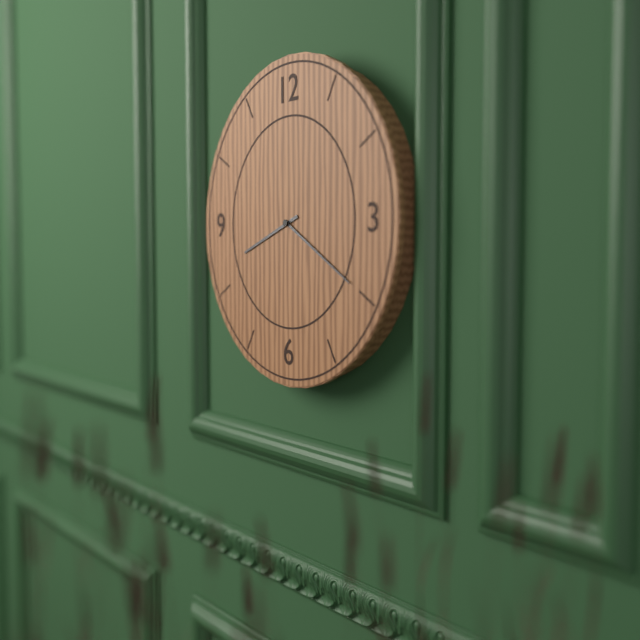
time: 8:20
